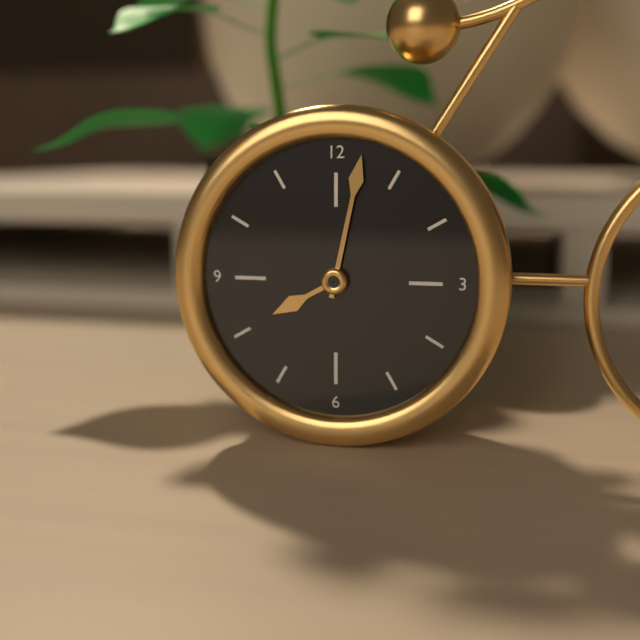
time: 8:02
